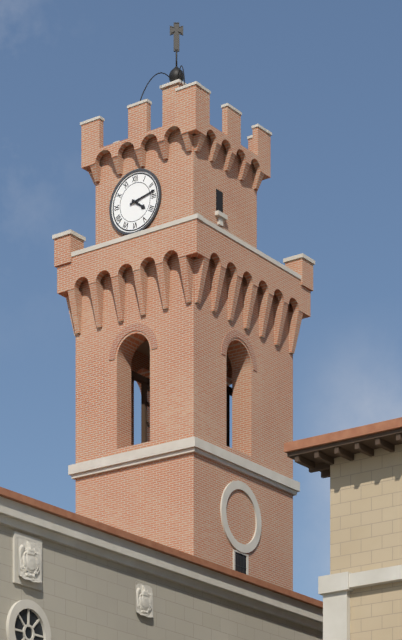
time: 4:13
